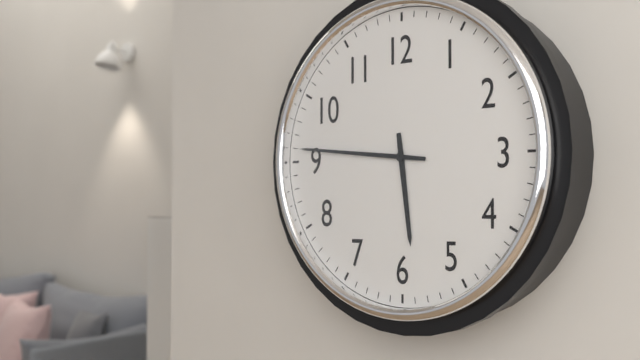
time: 5:46
